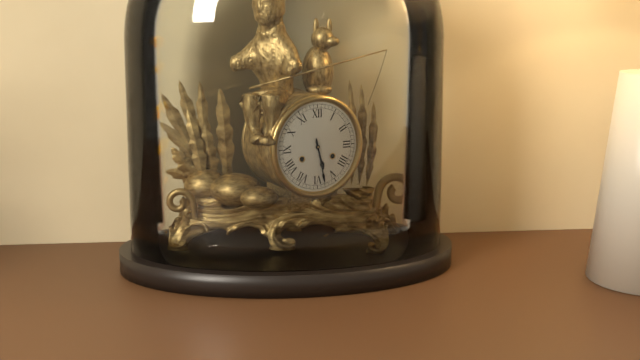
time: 5:28
